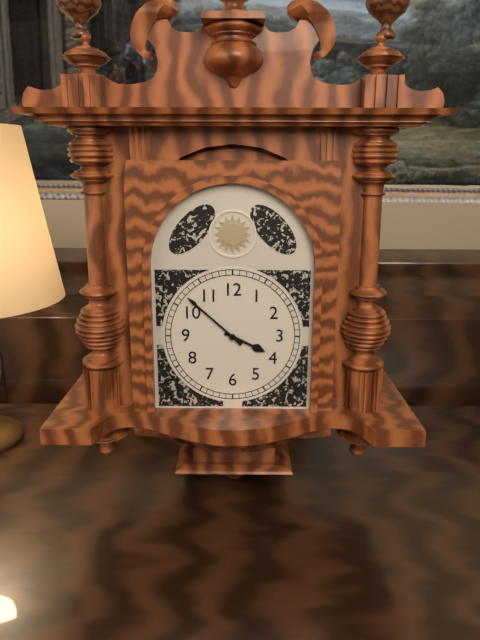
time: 3:52
